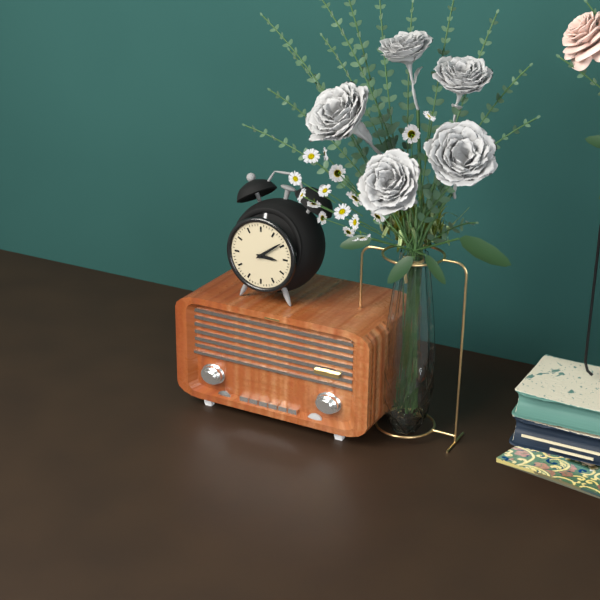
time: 3:09
